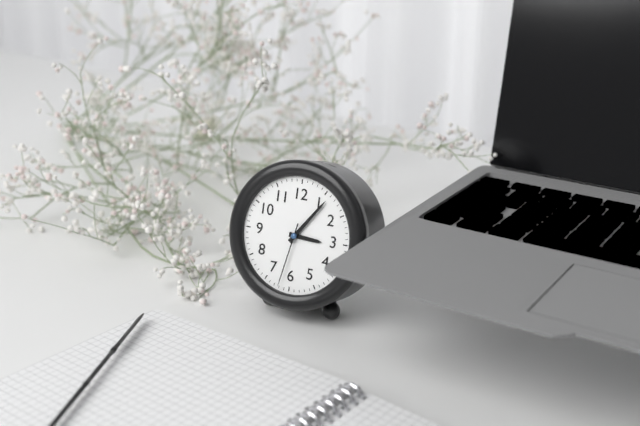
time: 3:06:32
